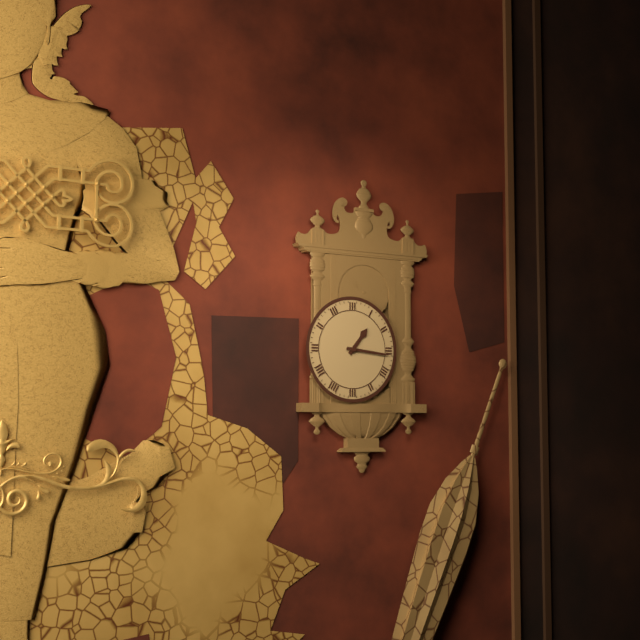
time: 1:16
